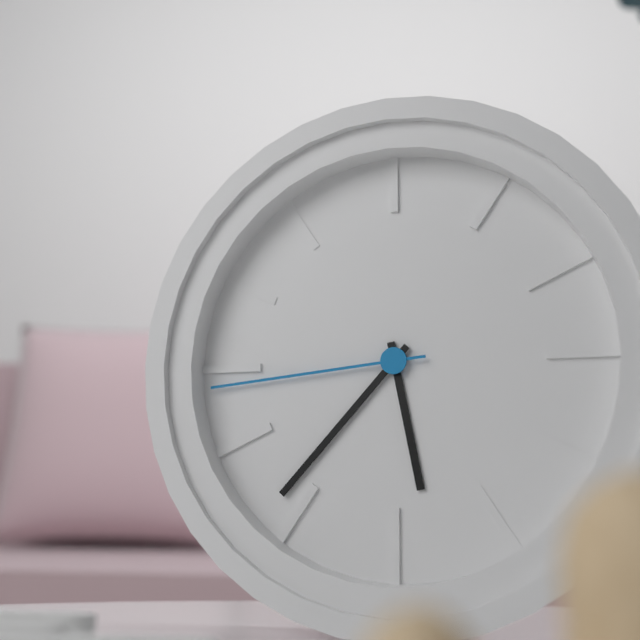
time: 5:37:44
